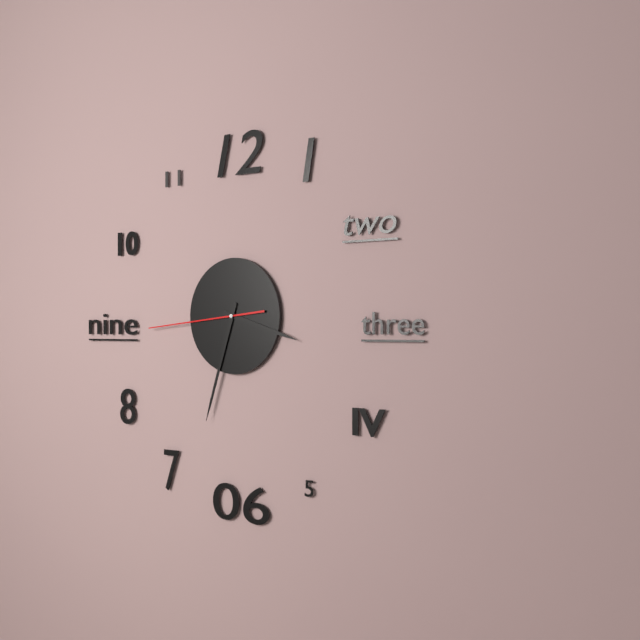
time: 3:33:44
